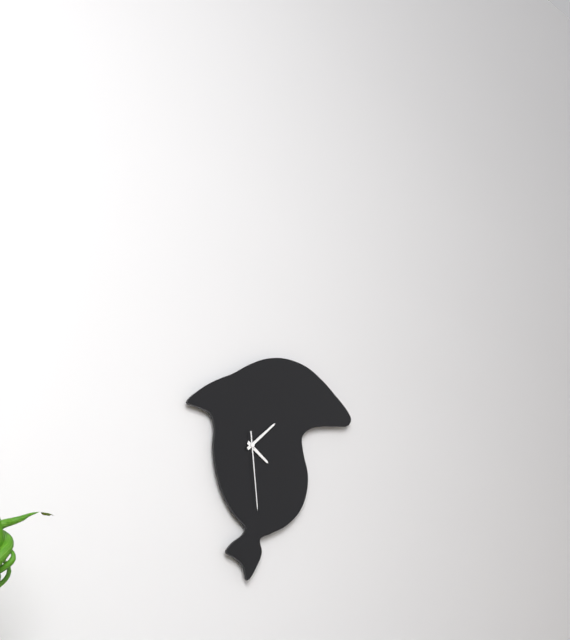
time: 4:08:29
